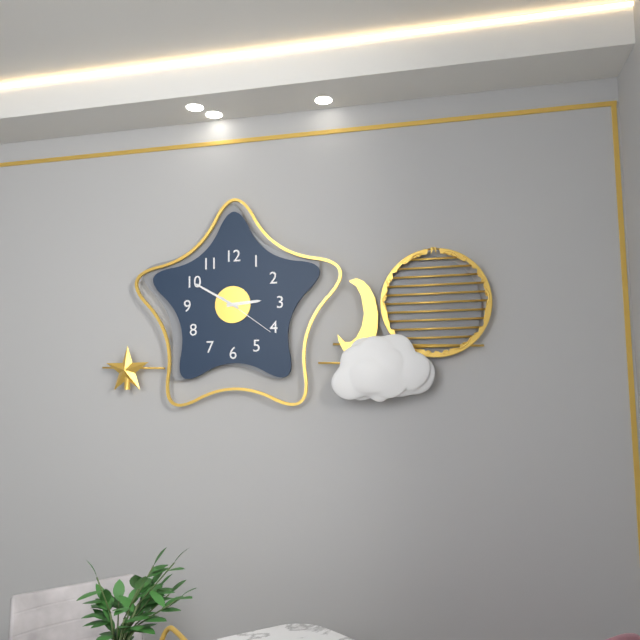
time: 2:50:21
